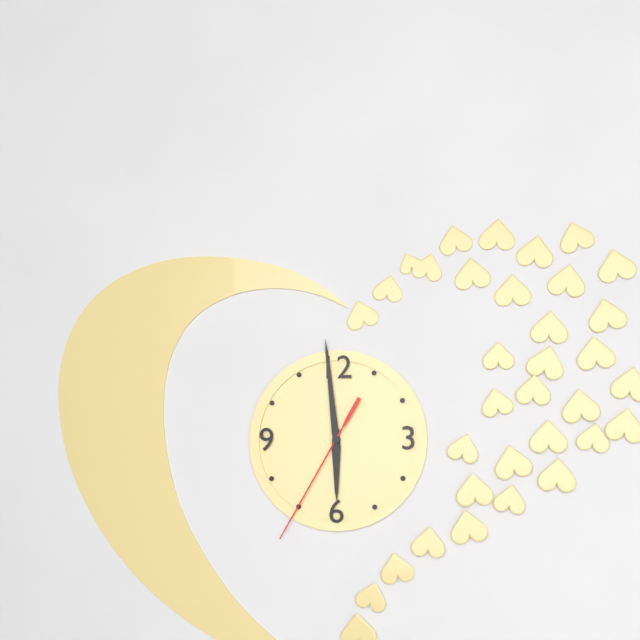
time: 5:59:35
